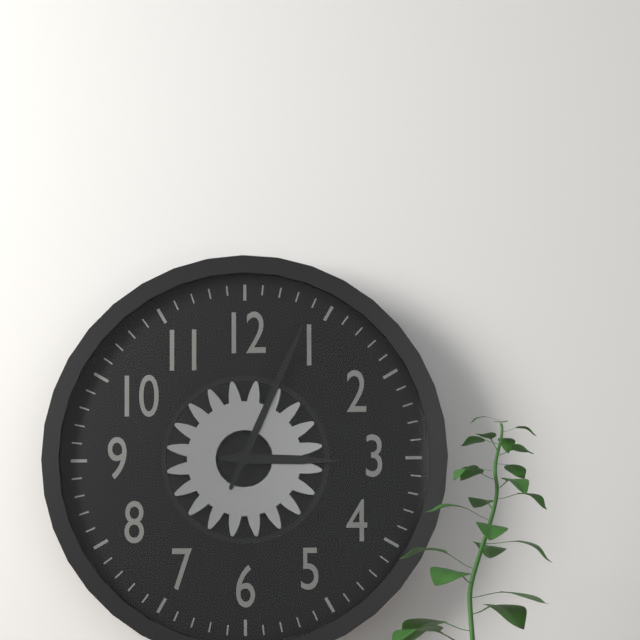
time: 3:04
